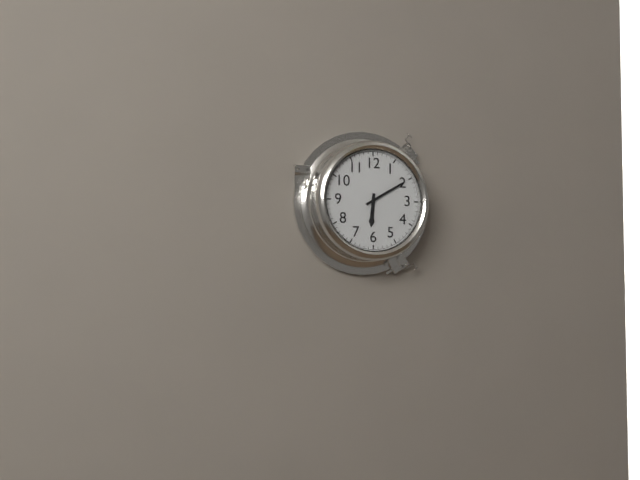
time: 6:10
